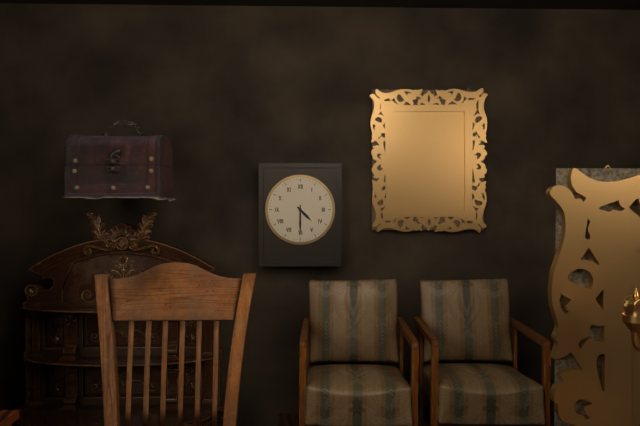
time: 4:30
